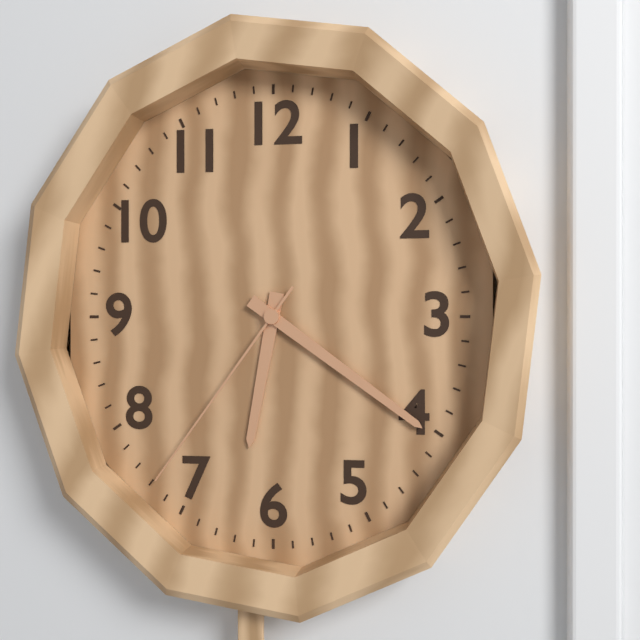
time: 6:21:36
